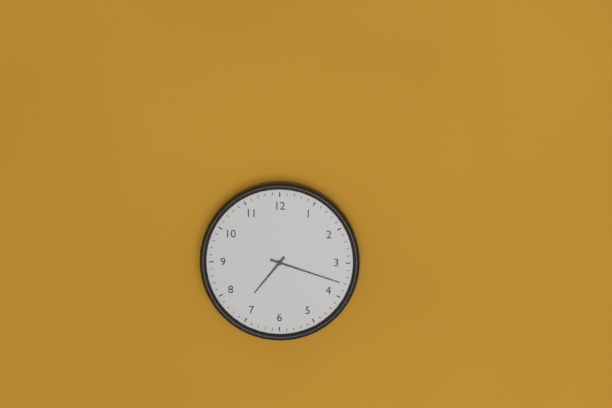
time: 7:18
